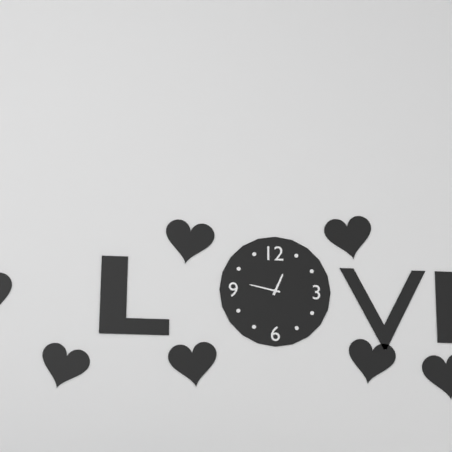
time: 12:47
